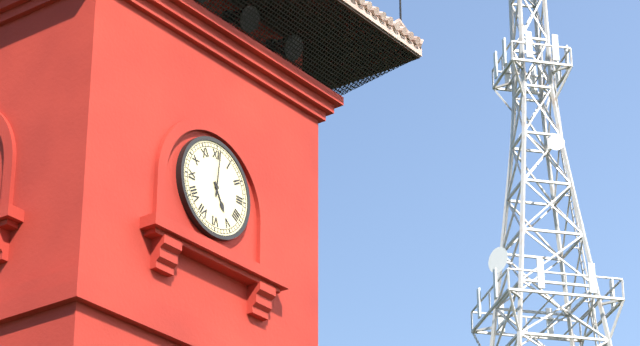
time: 5:01
